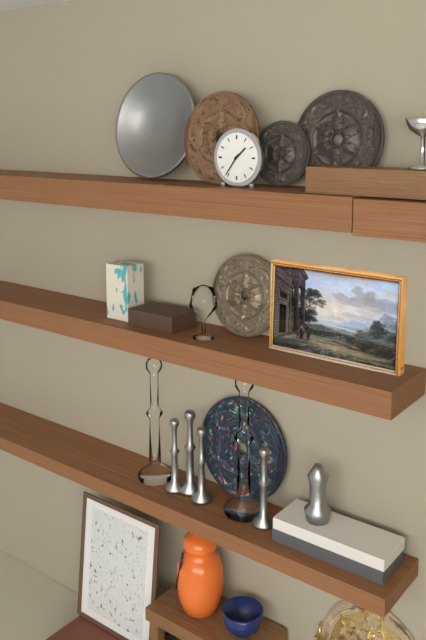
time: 1:36
